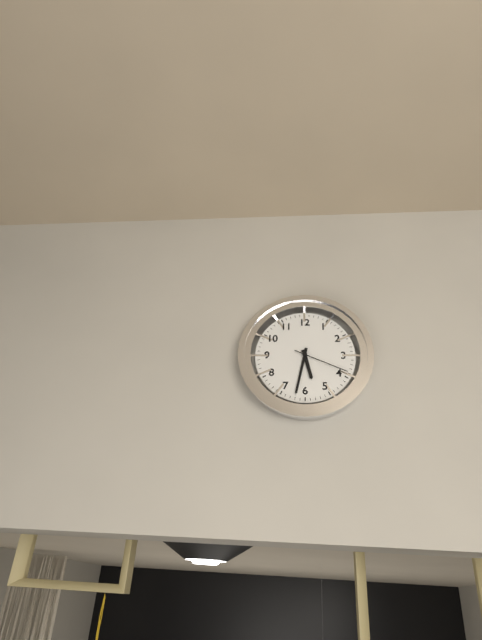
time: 5:32:19
